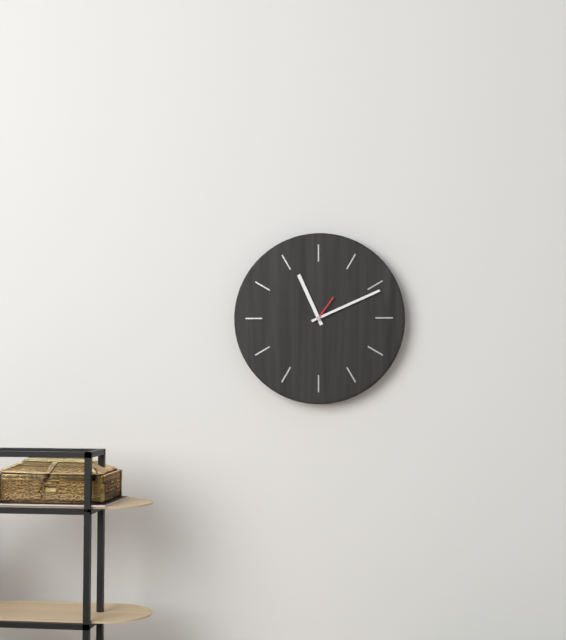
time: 11:11
